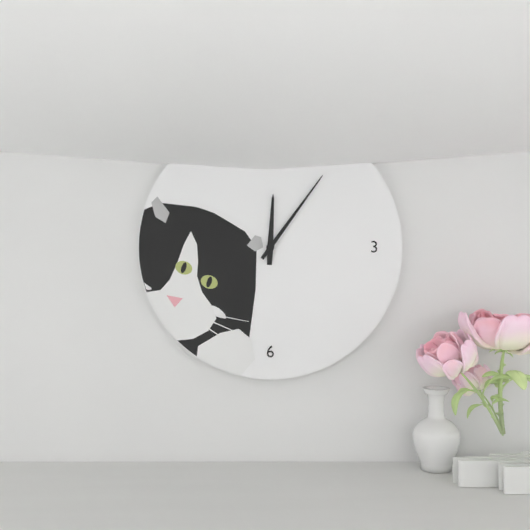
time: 12:06
